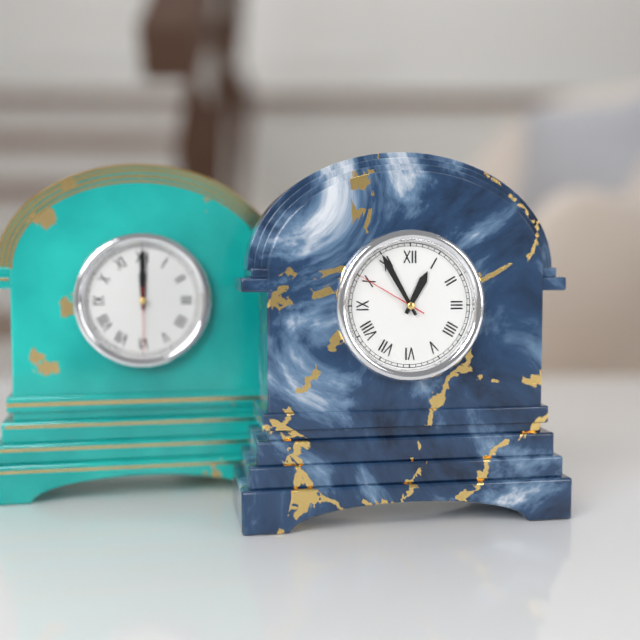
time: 12:55:50
